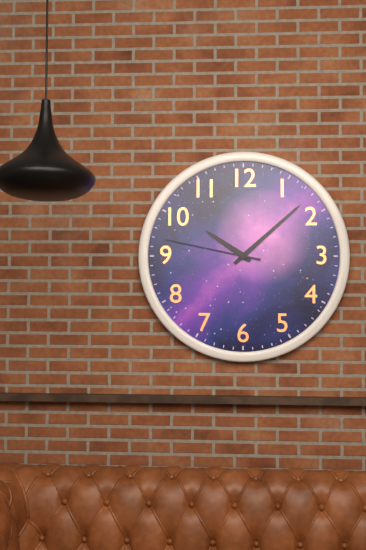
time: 10:08:47
